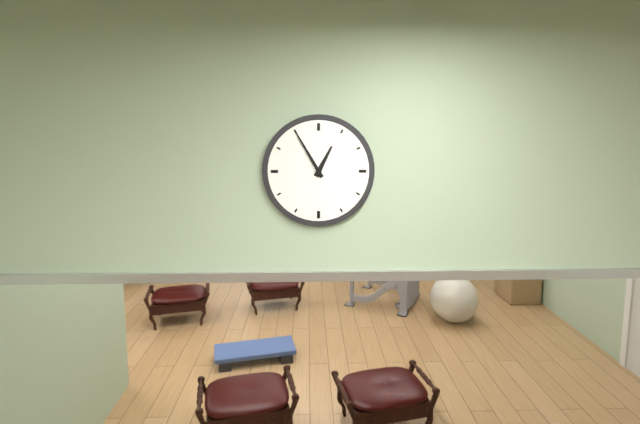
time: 12:55
